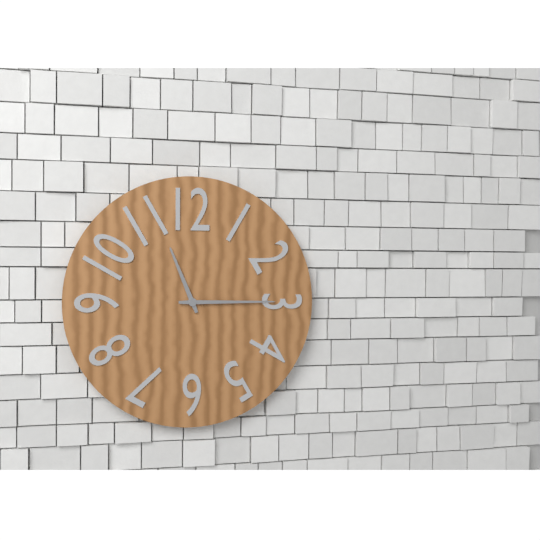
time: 11:15
